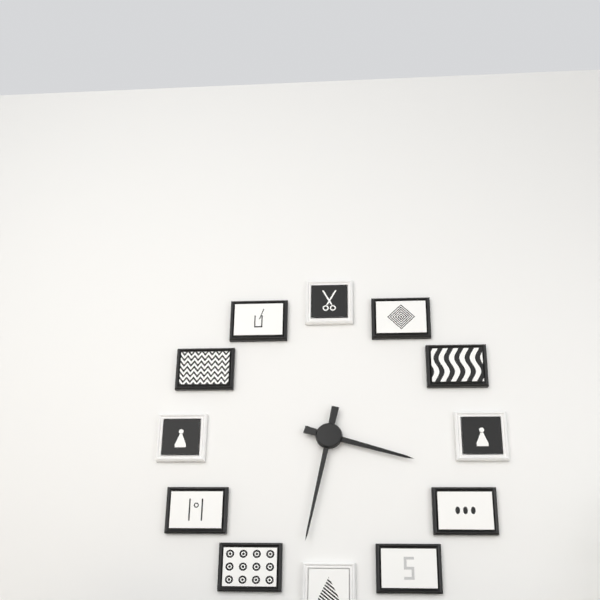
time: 3:32
